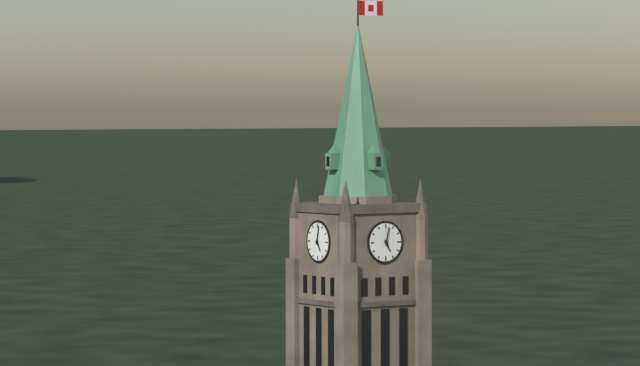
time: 5:02
